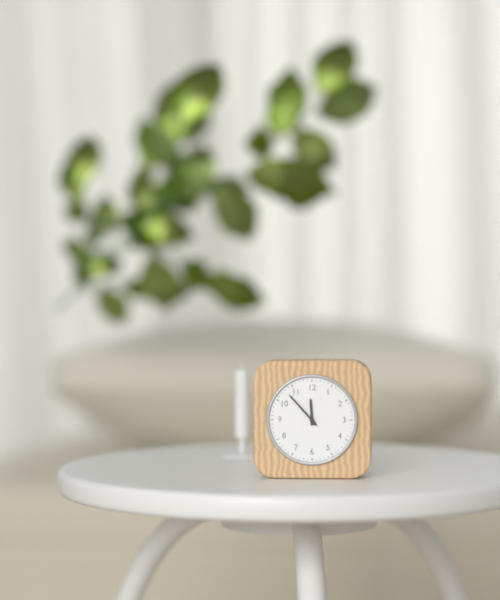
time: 11:53
